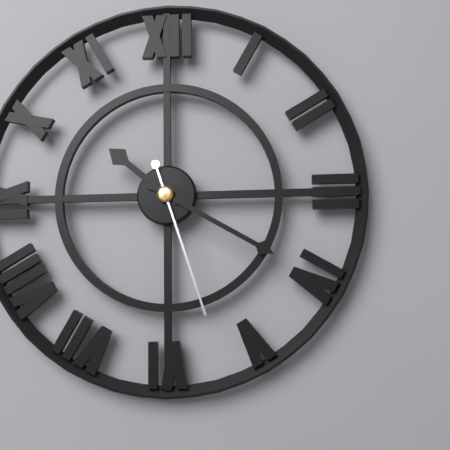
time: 10:20:27
